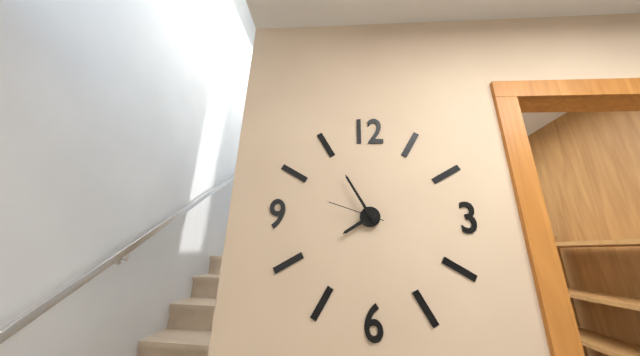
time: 7:55:48
